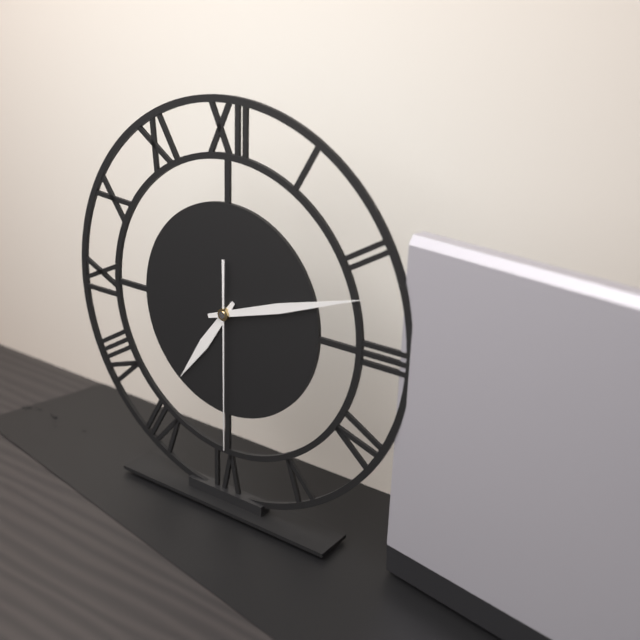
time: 7:12:30
